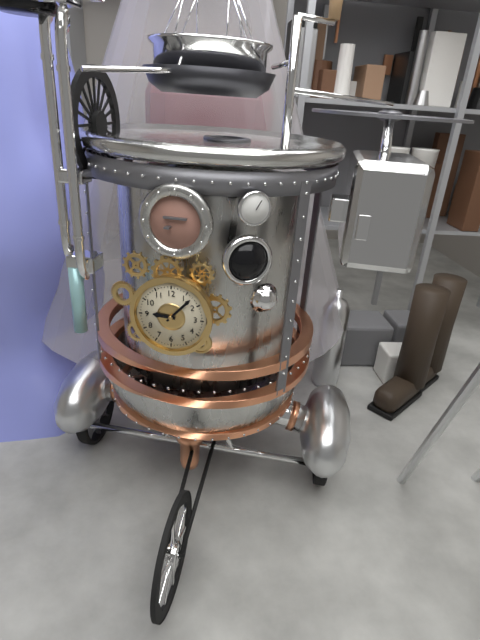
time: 9:07
